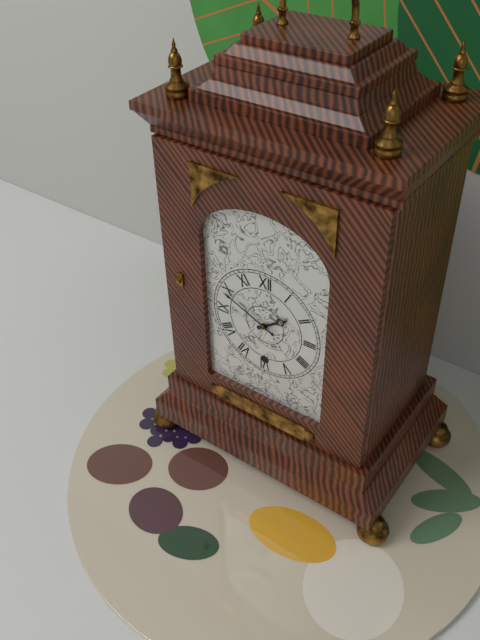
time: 1:49
